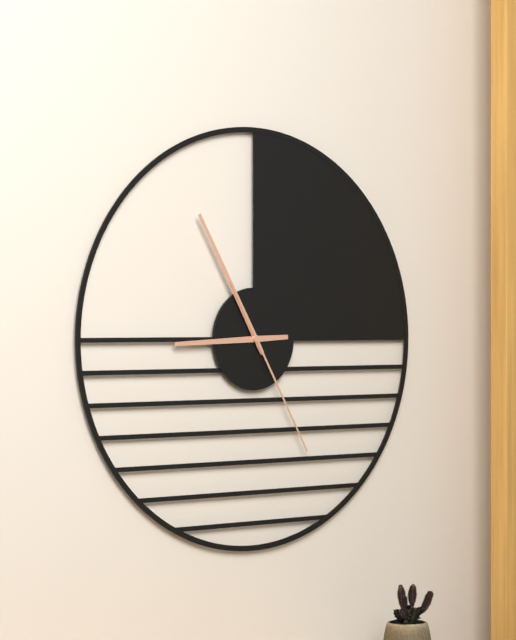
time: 8:55:25
